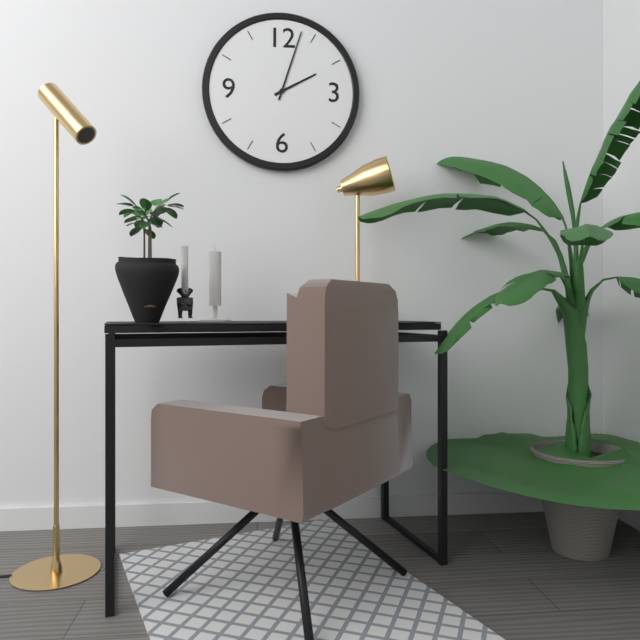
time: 2:03
